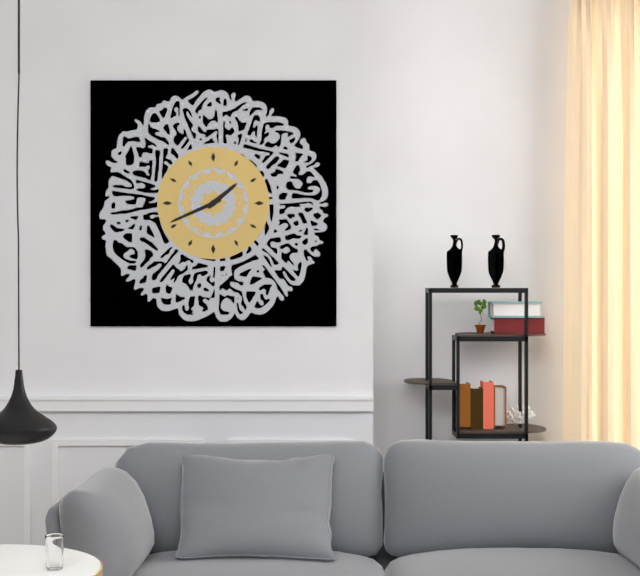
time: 1:41
